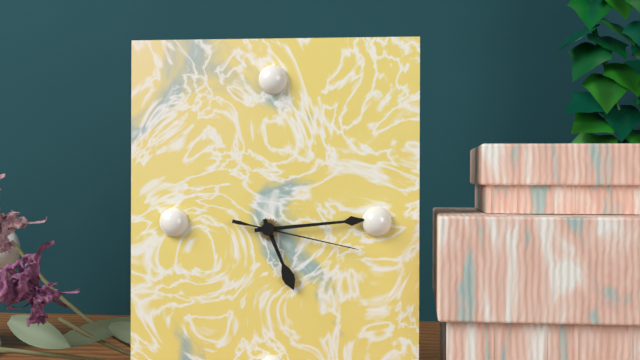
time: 5:14:17
